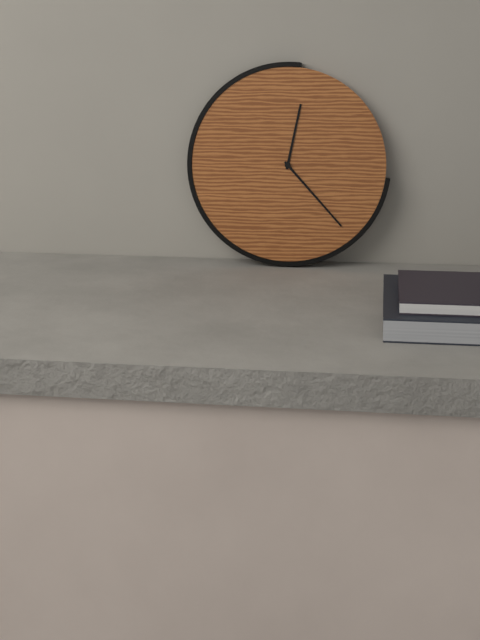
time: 12:23
